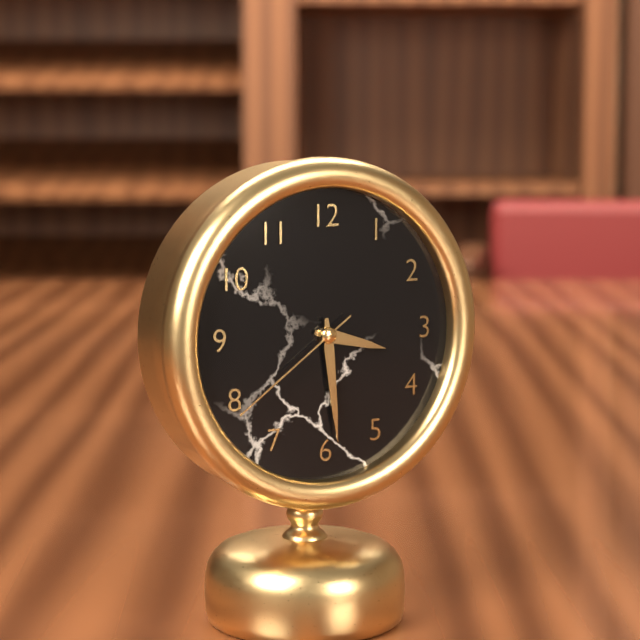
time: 3:29:39
